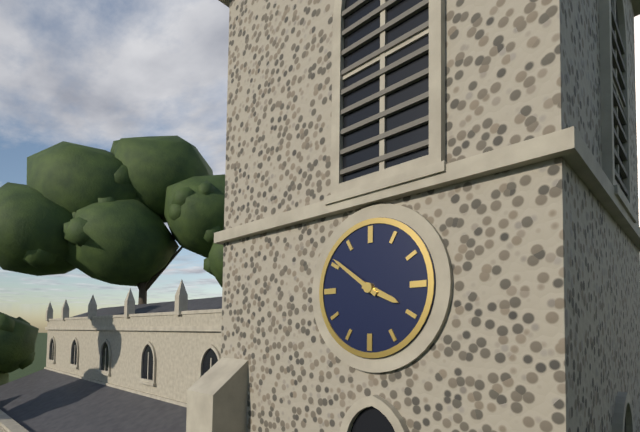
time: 3:51
